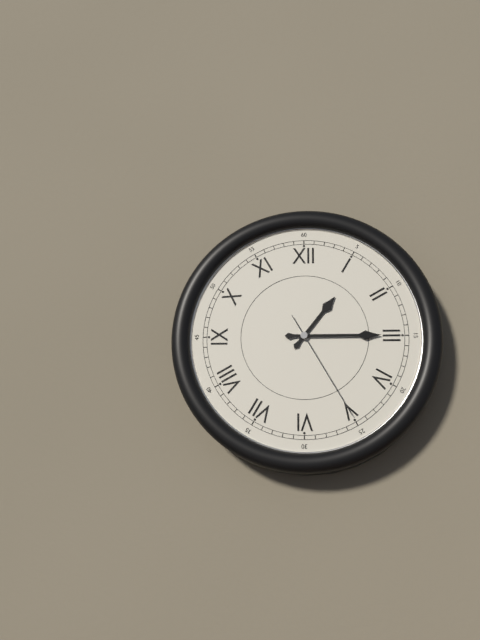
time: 1:15:25
